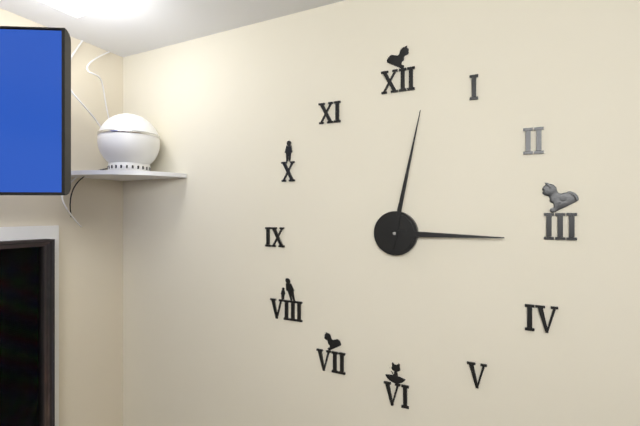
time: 3:02
